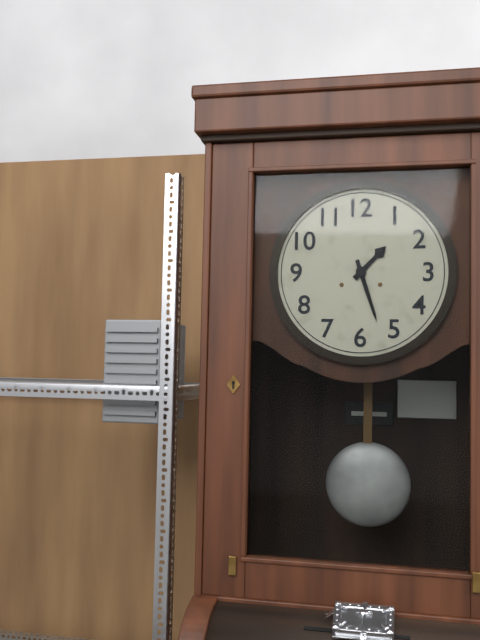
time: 1:27
